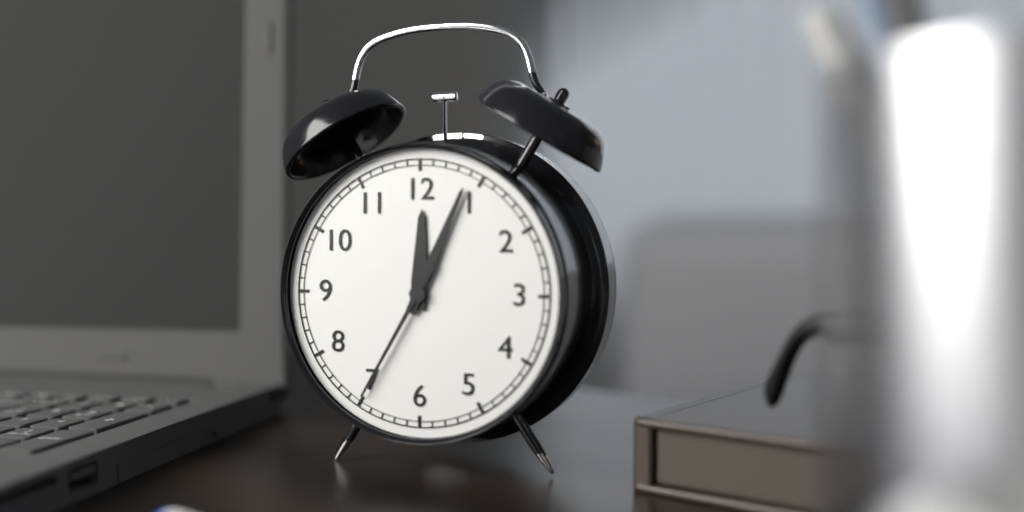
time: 12:04:35
